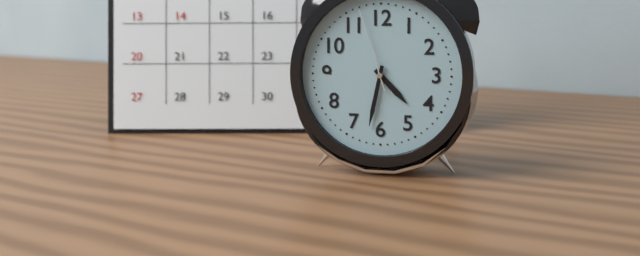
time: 4:32:57
